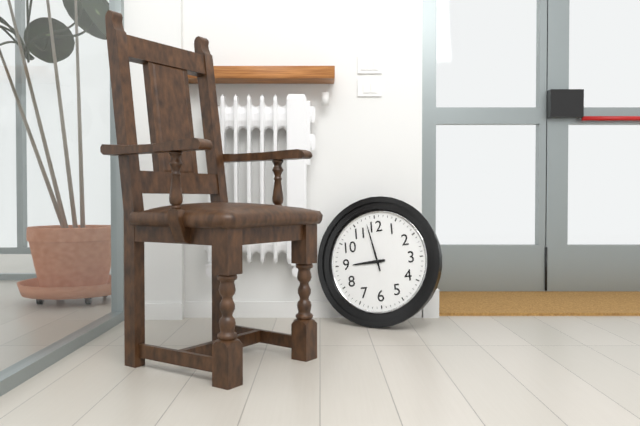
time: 8:58
